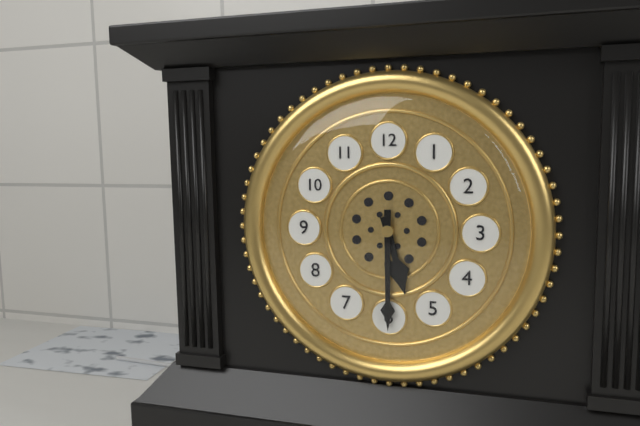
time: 5:30
